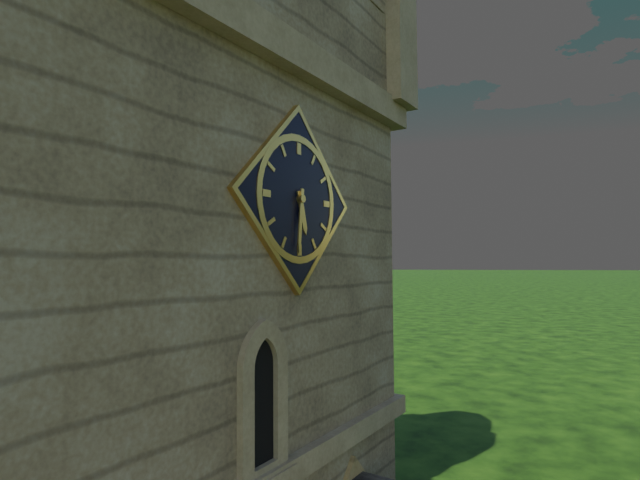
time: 5:31
